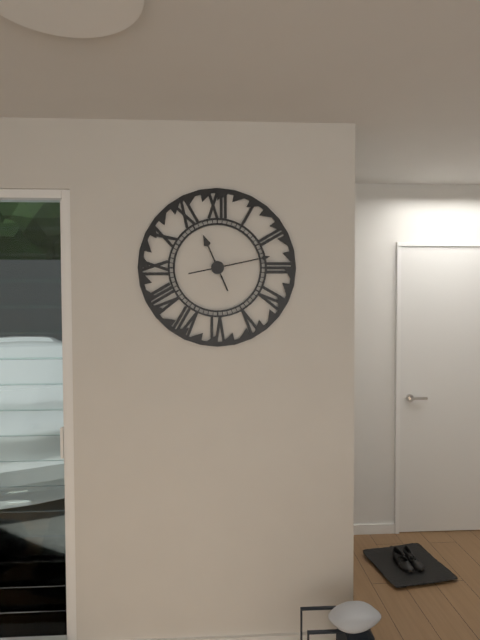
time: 11:13
